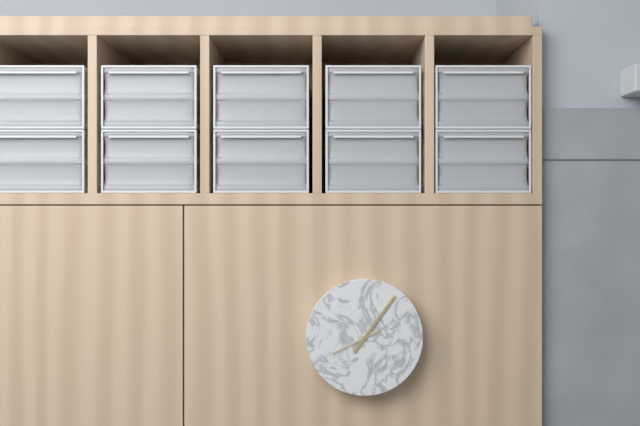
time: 8:06
